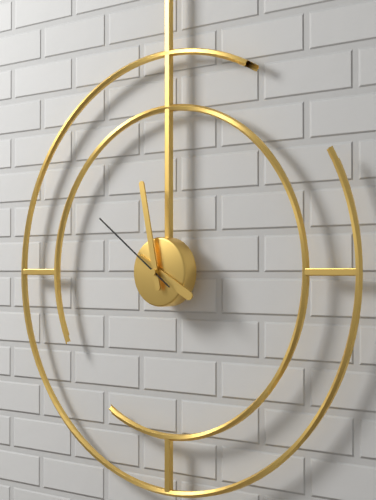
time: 3:58:51
